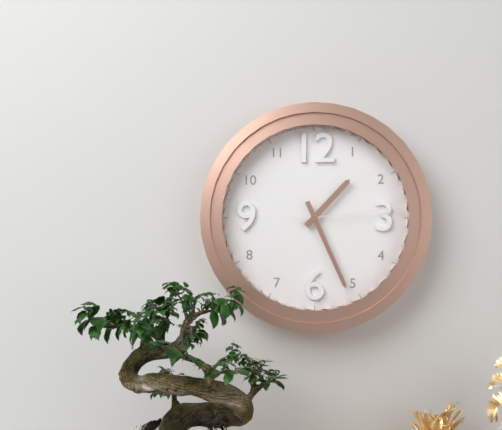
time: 1:26:14
